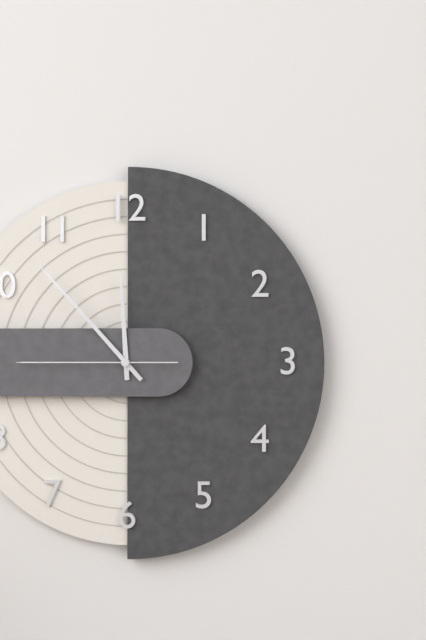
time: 11:53:45
